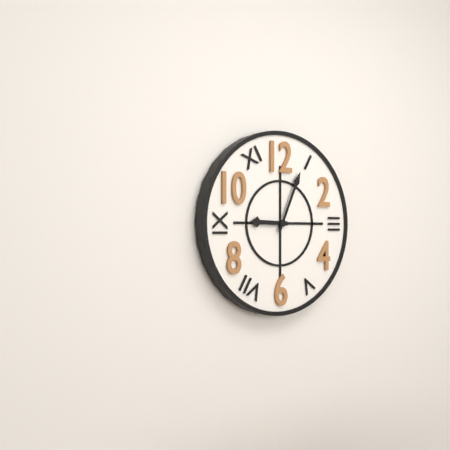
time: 9:04
